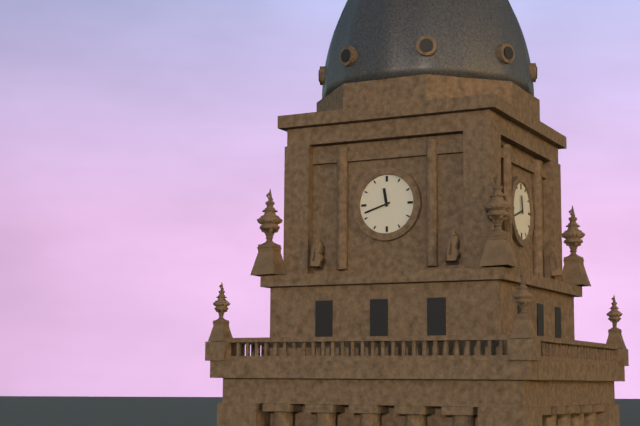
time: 11:42
